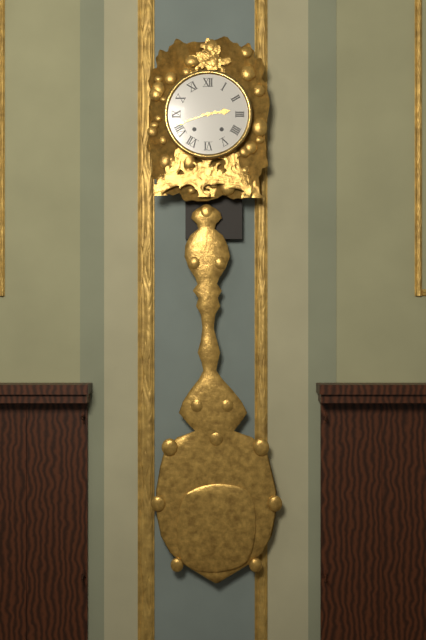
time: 2:42
